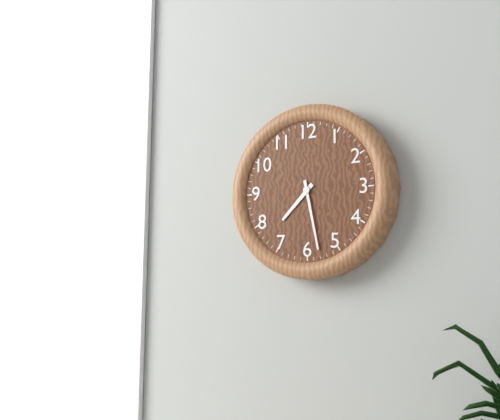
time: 7:28
